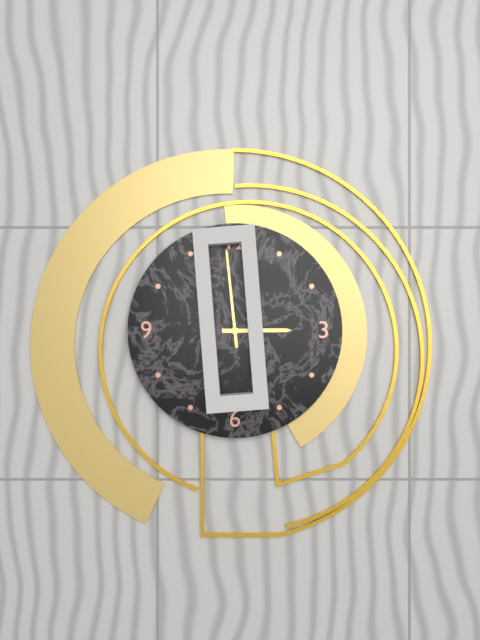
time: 2:59
